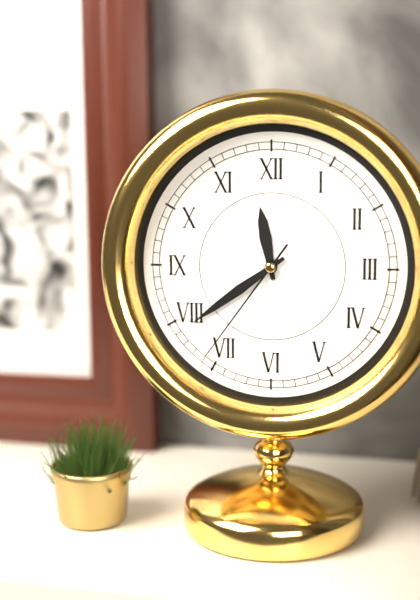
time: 11:39:36
